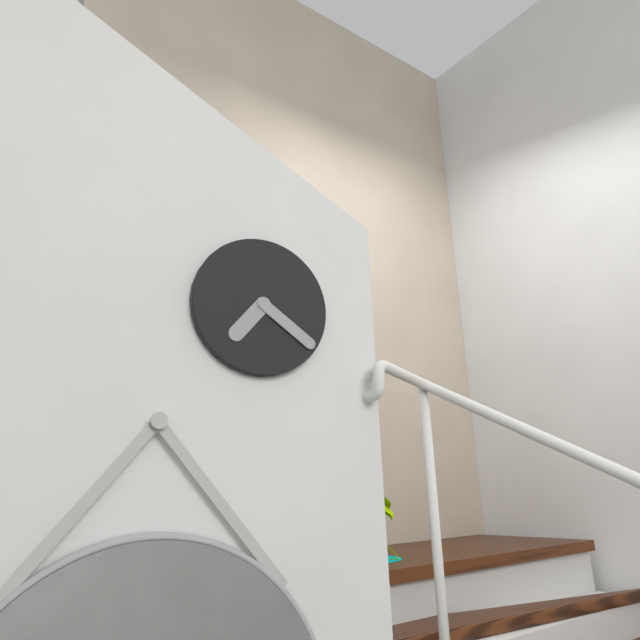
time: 7:21
